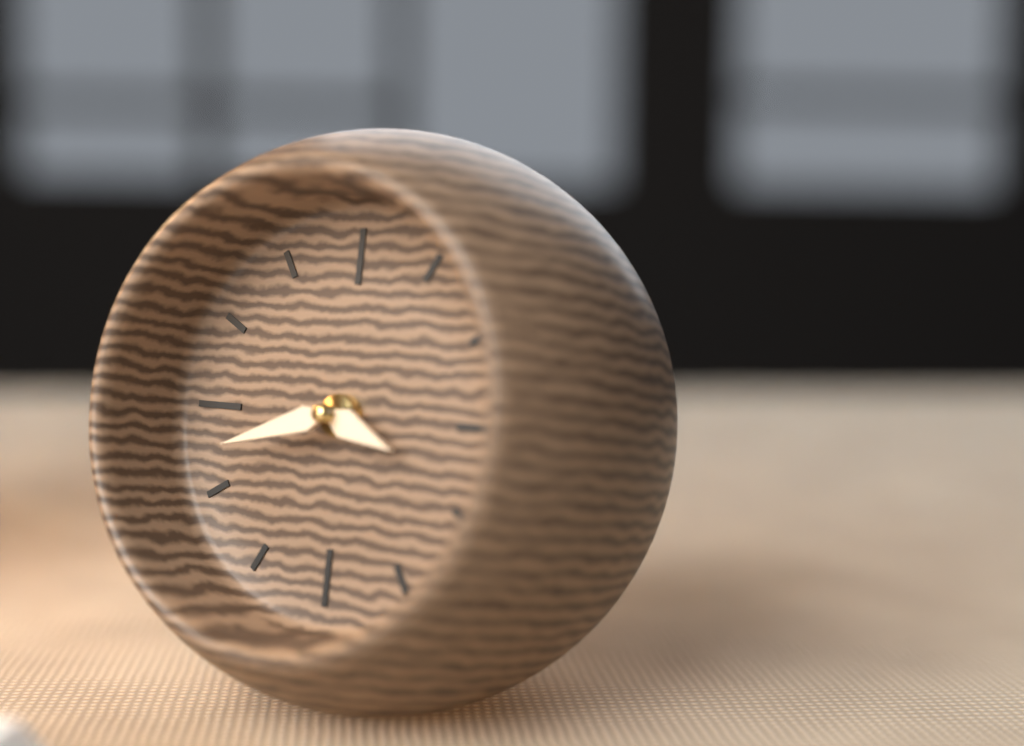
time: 3:42
